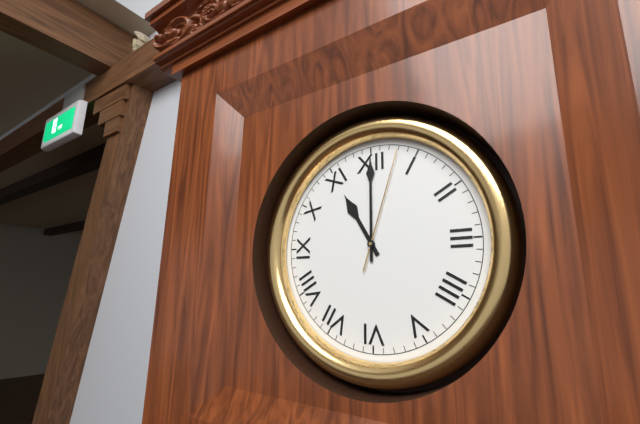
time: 11:00:03
